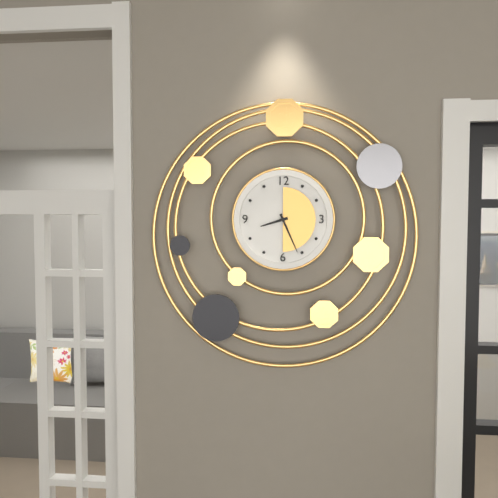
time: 8:26
